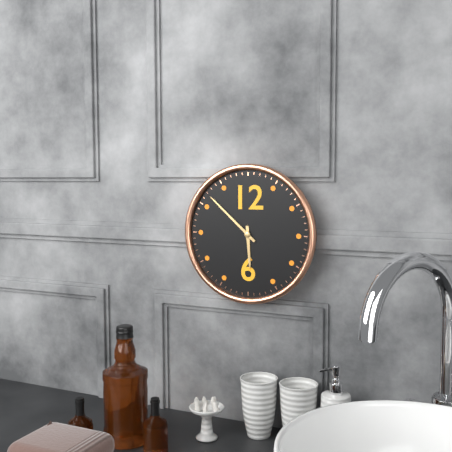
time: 5:52
